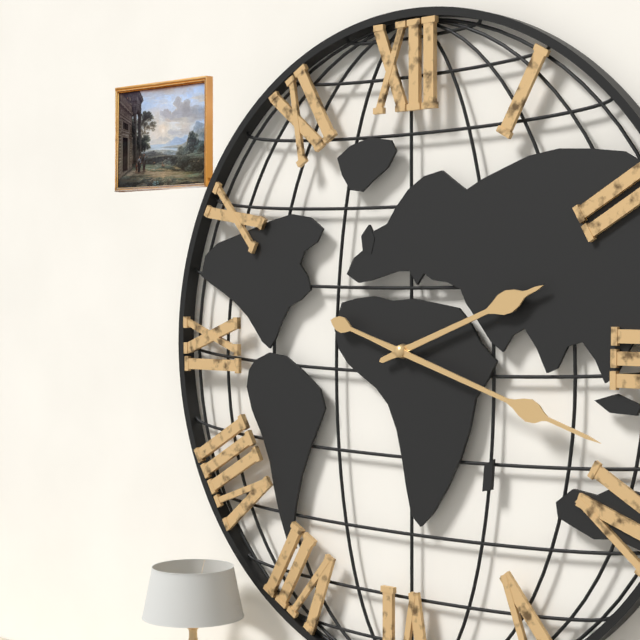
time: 2:18
